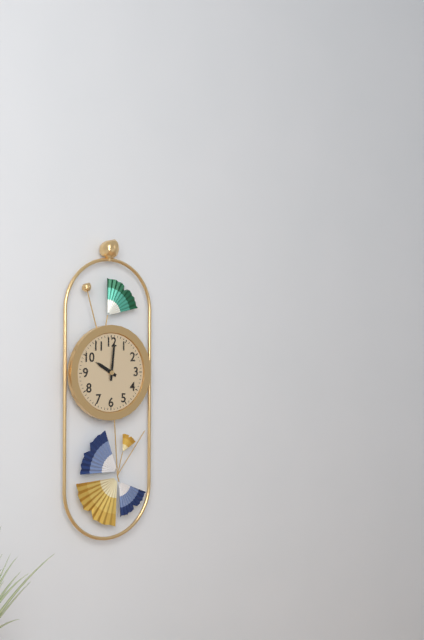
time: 10:01
